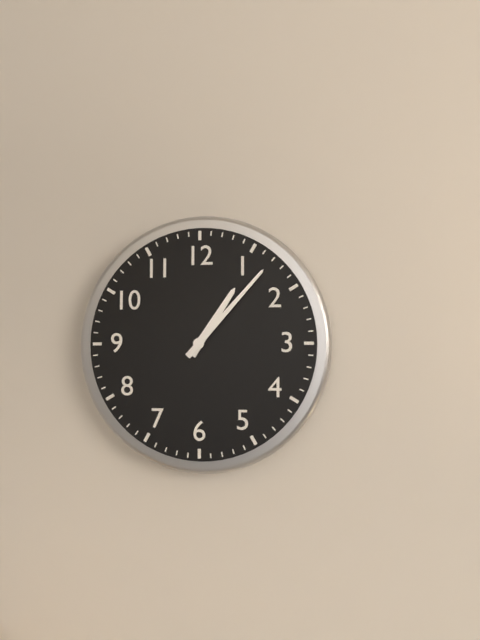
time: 1:07
